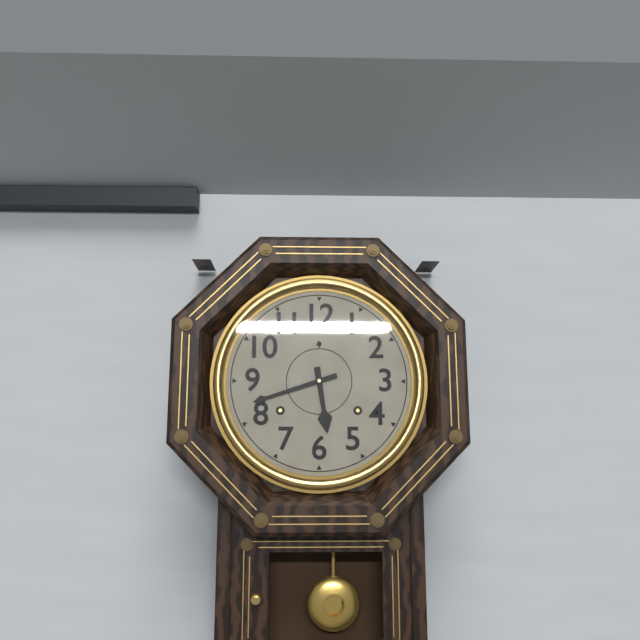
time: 5:42
